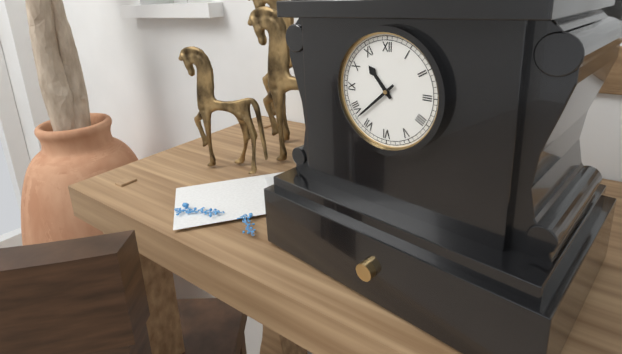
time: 10:38
